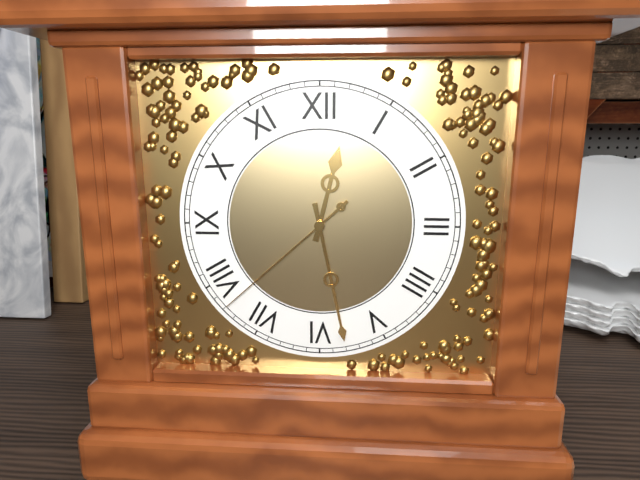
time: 12:28:38
